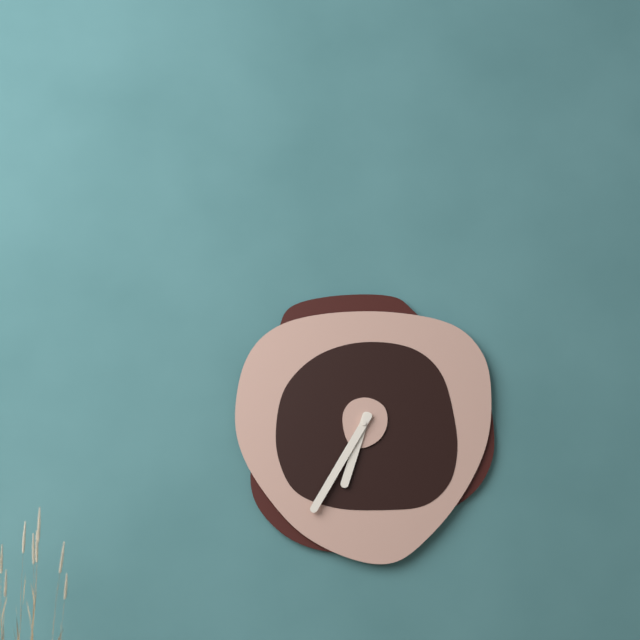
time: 6:35
